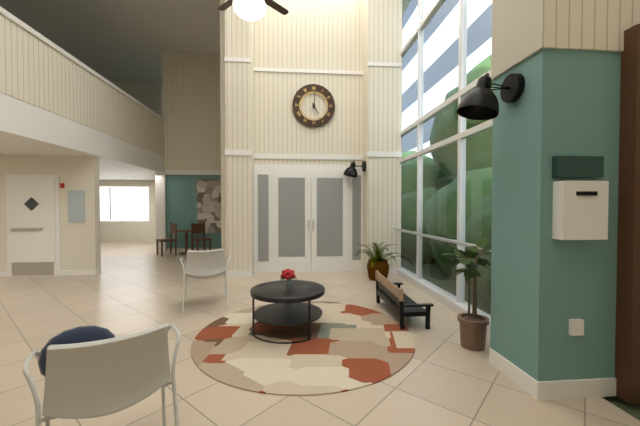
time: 5:01
